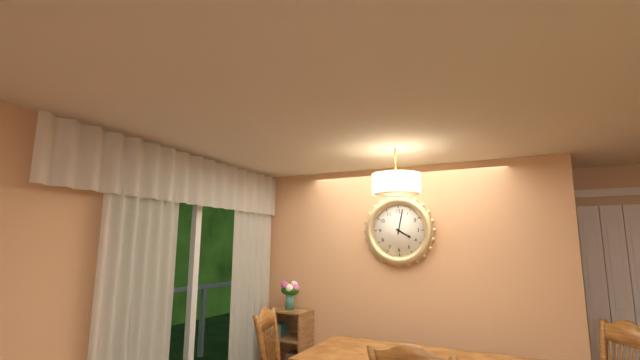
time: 4:02
